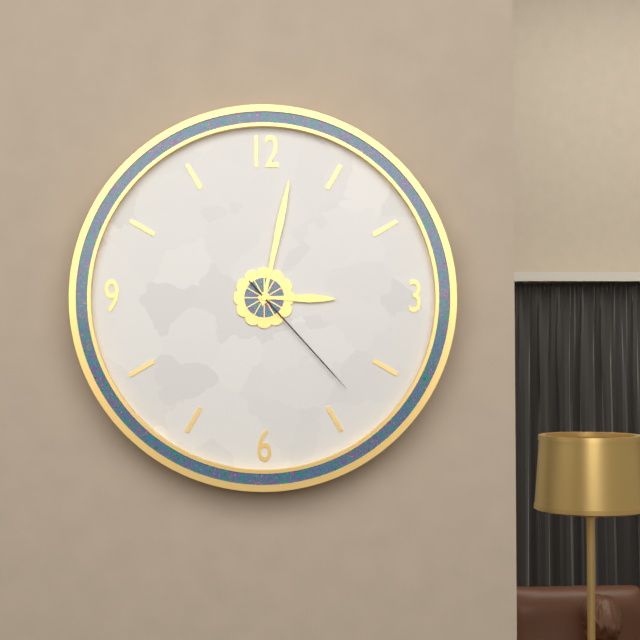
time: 3:02:23
